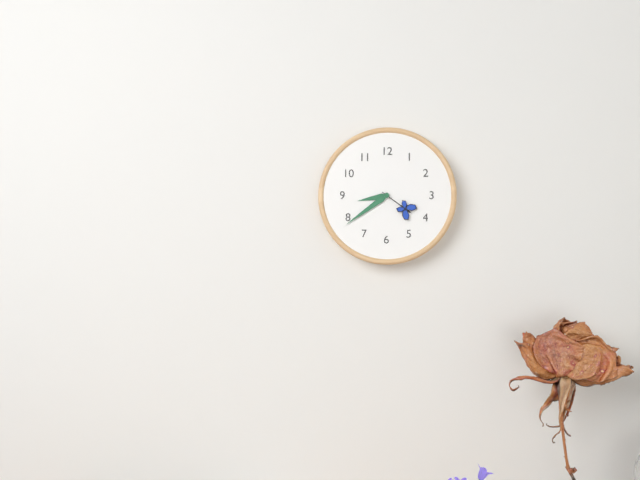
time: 8:39
